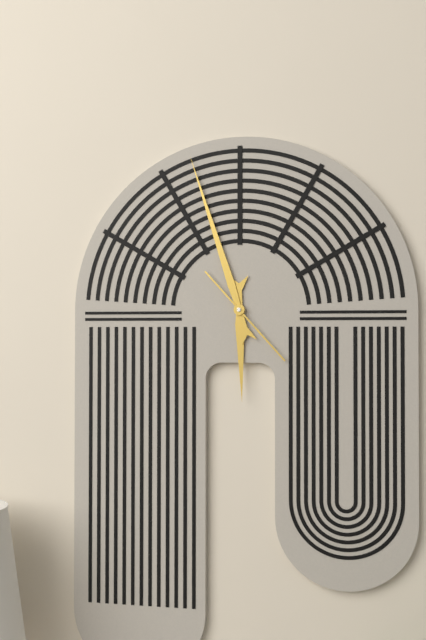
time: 5:57:23
